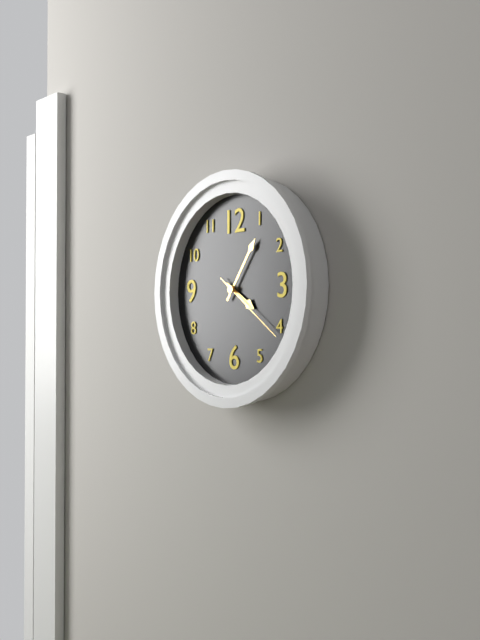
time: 4:06:21
